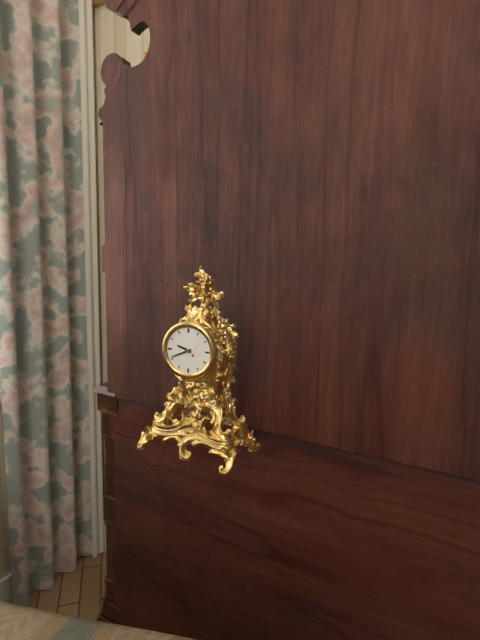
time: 9:41
